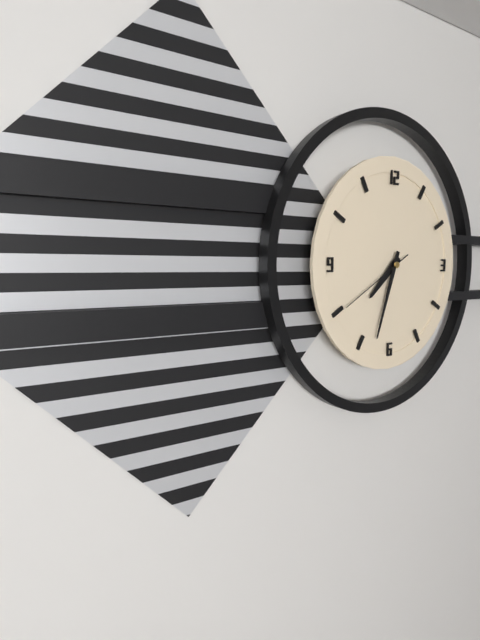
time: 7:33:40
